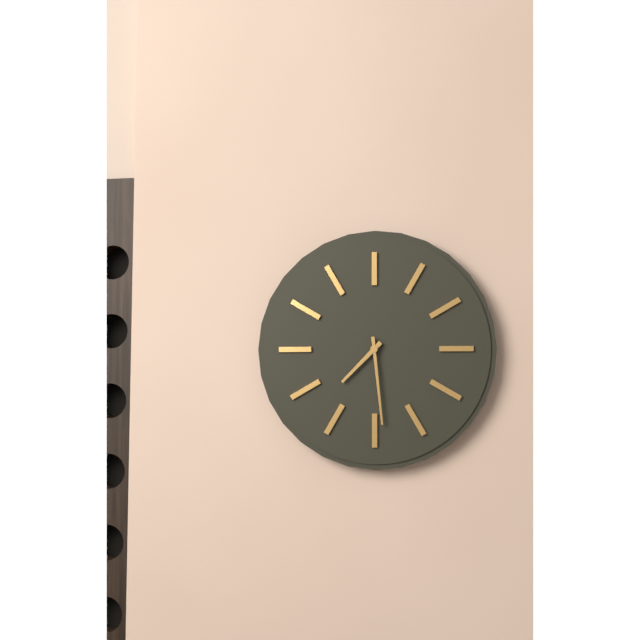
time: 7:29
